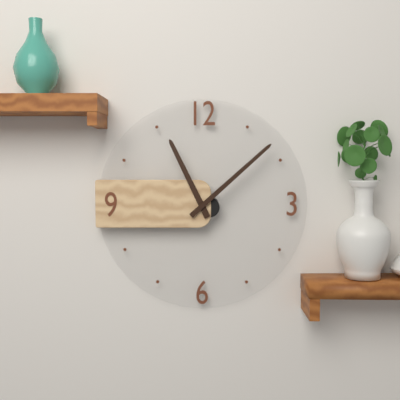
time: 11:08
